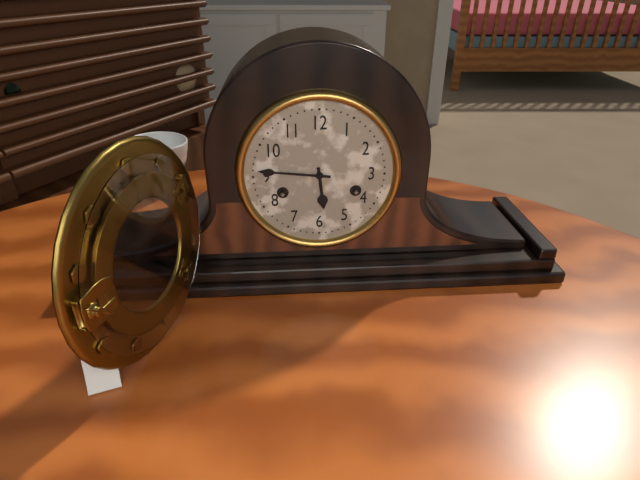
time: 5:46
